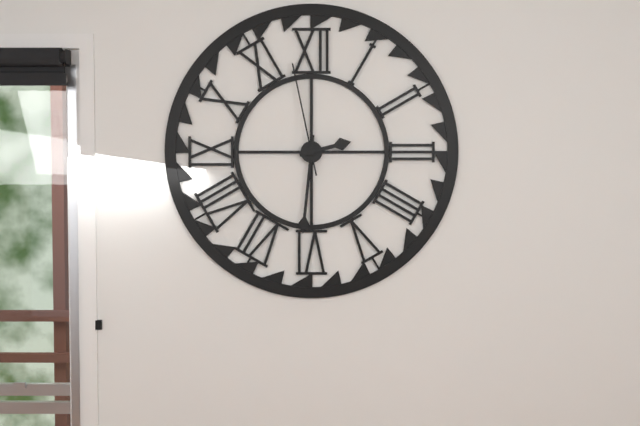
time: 2:31:58
